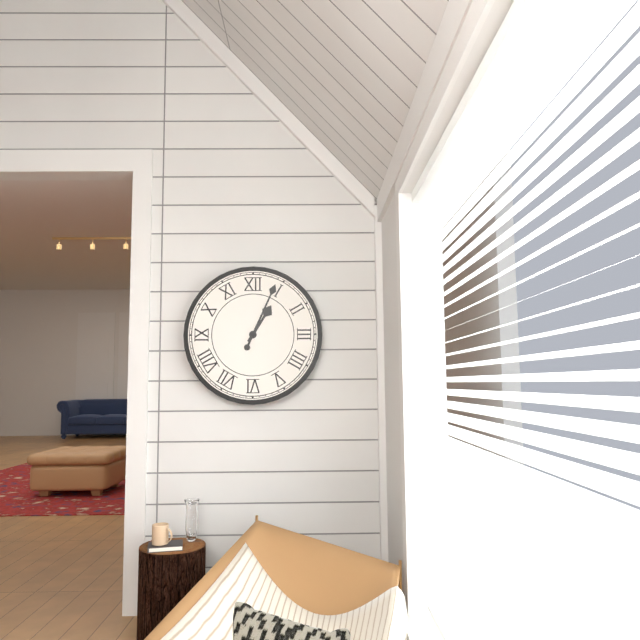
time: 1:04
